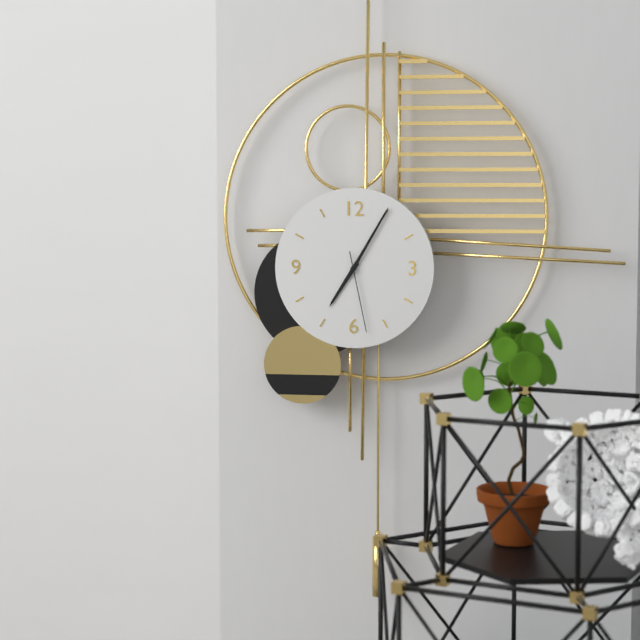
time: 7:05:28
